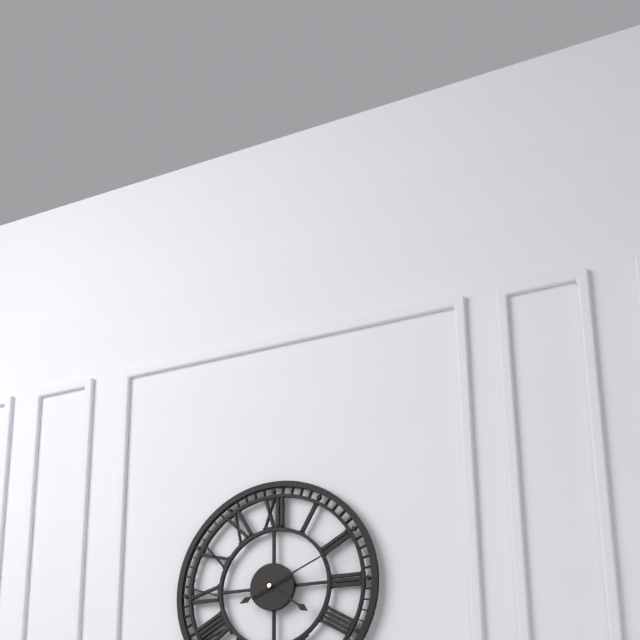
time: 4:11
